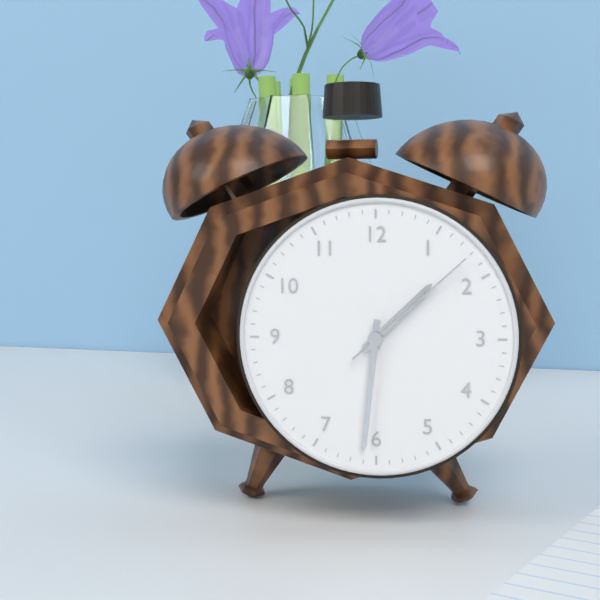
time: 1:31:08
